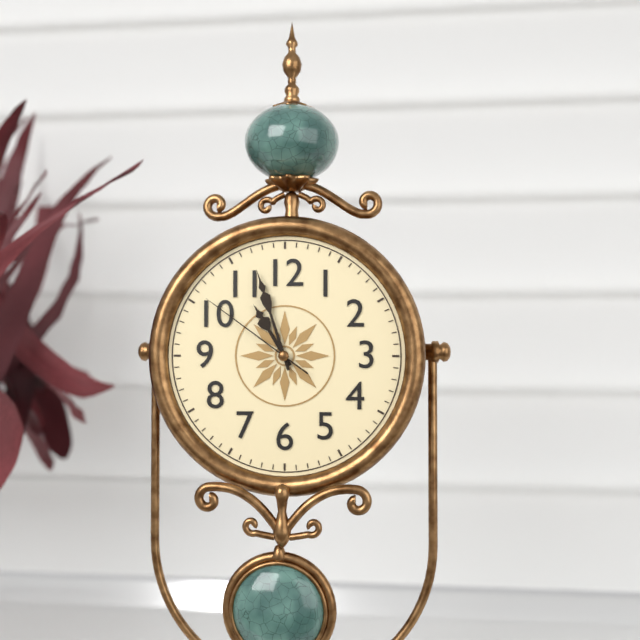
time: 10:57:51
